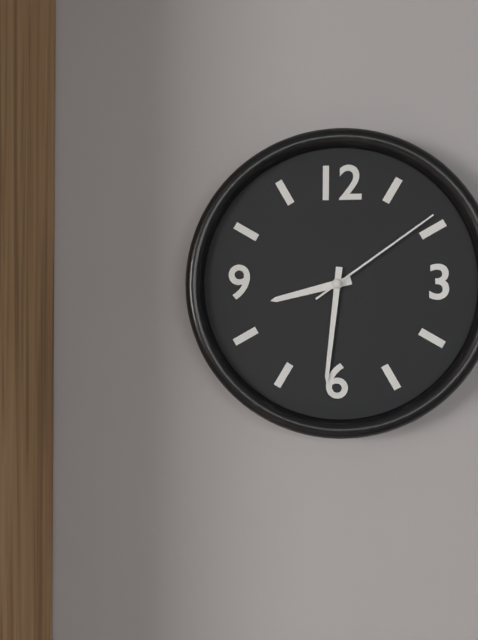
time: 8:31:09
